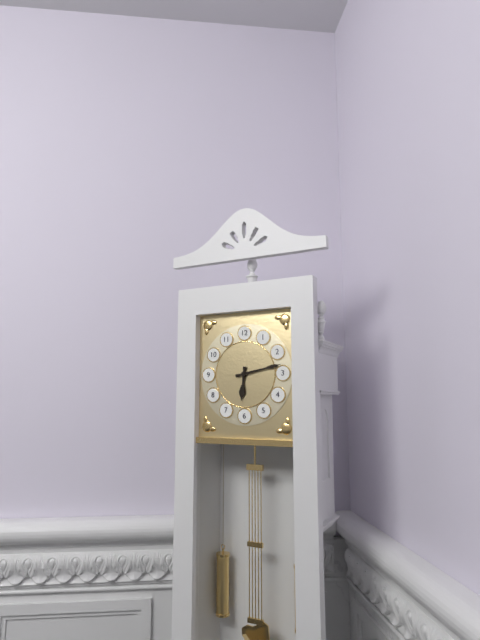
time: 6:13
